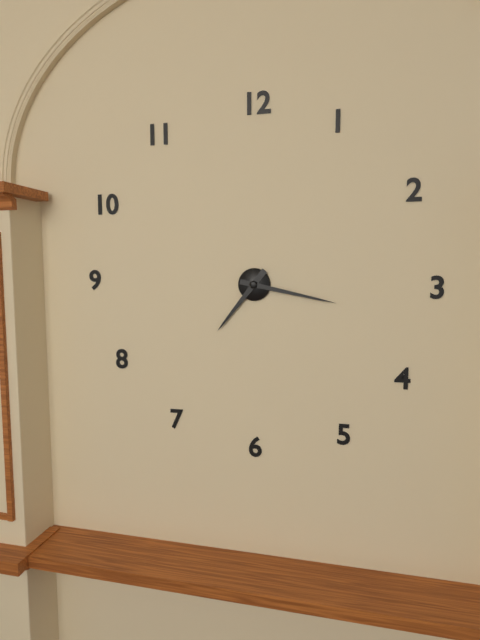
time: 7:17
